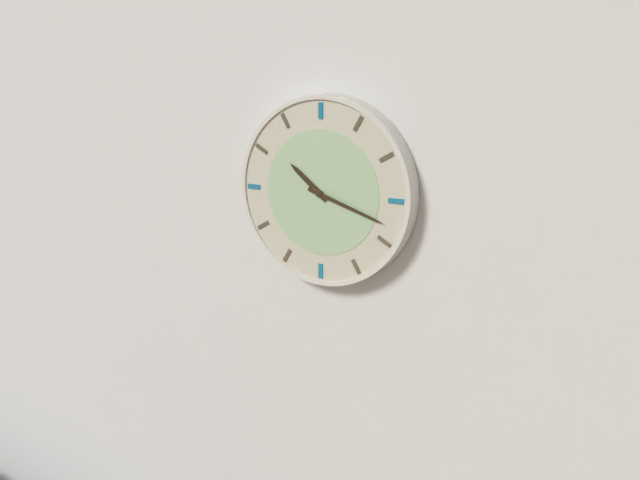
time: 10:18
